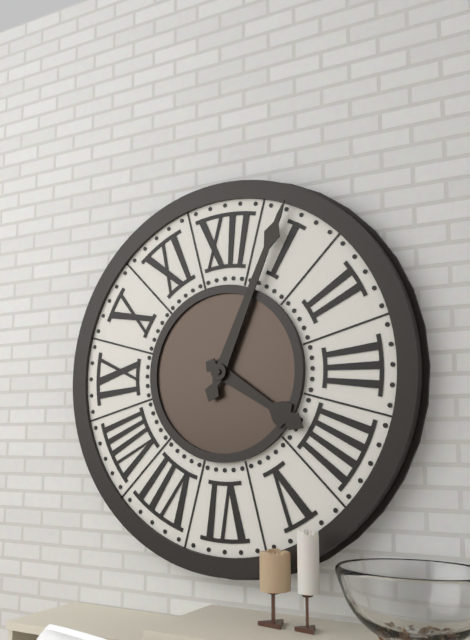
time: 4:04
